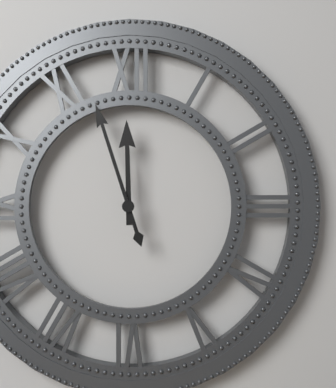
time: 11:57
